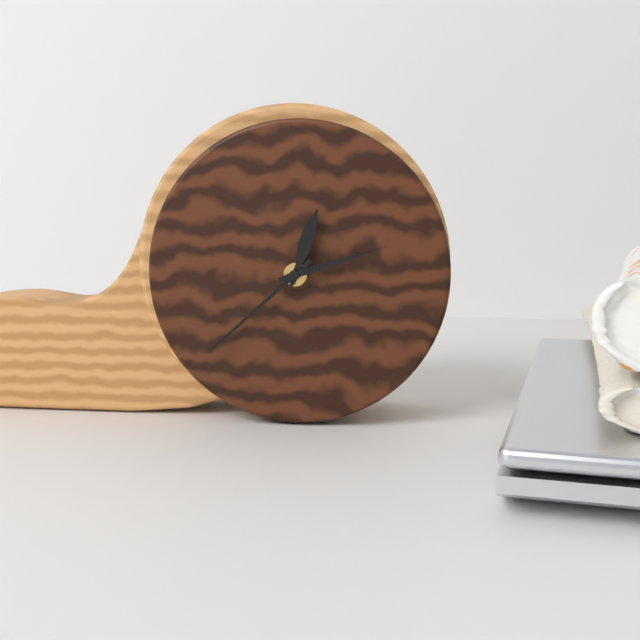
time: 12:38:12
